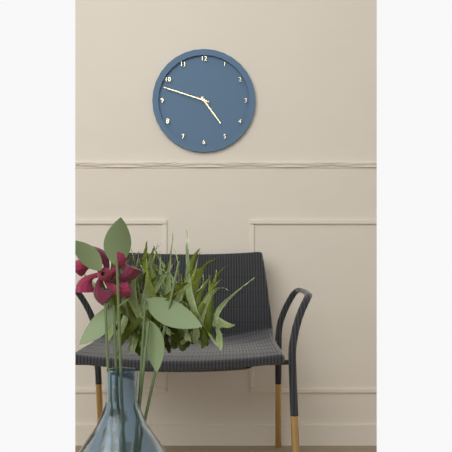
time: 4:48
